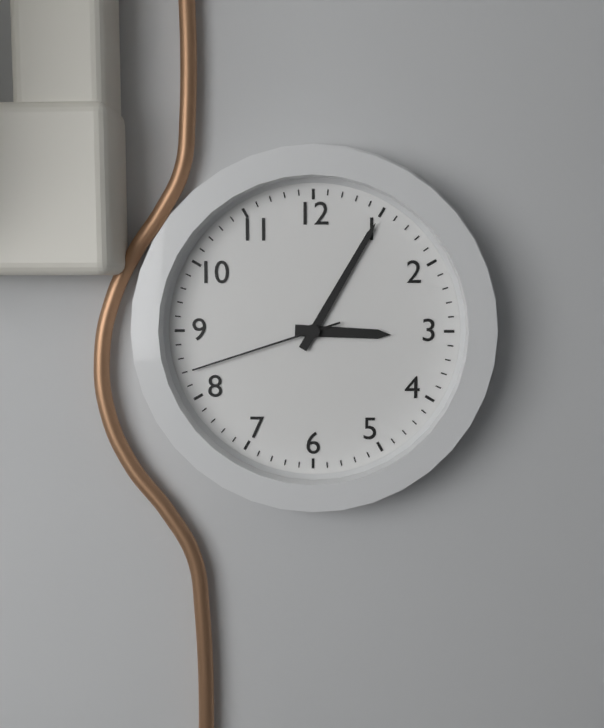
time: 3:05:42
